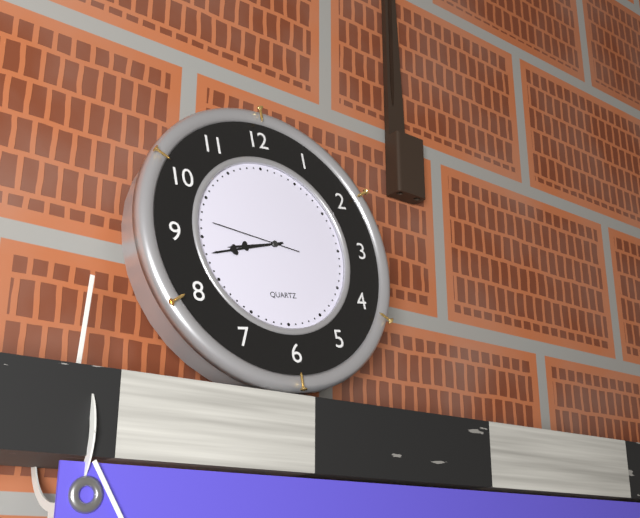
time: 8:43:47
